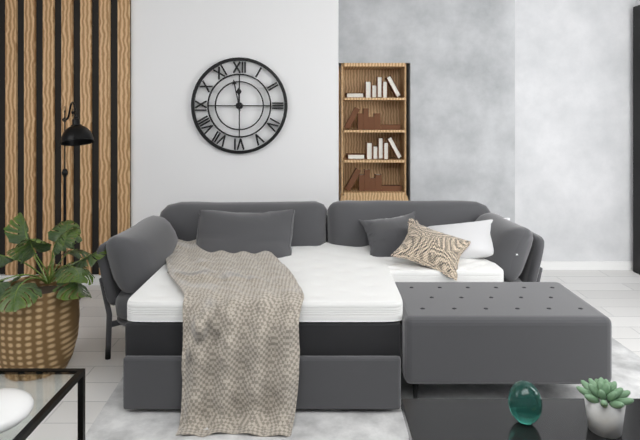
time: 11:58
